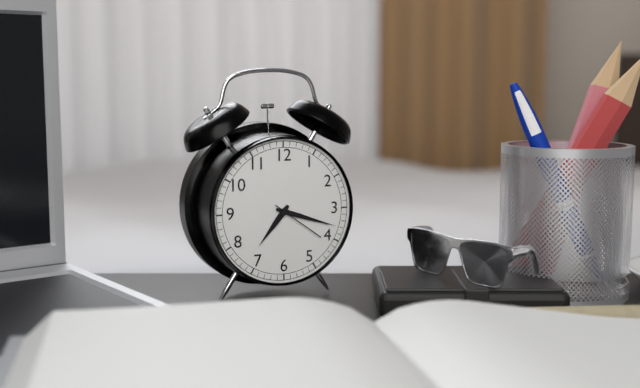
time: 7:18:21
